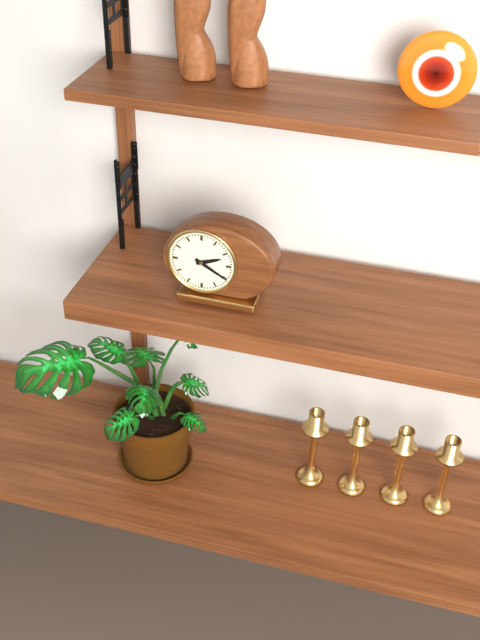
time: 2:20
